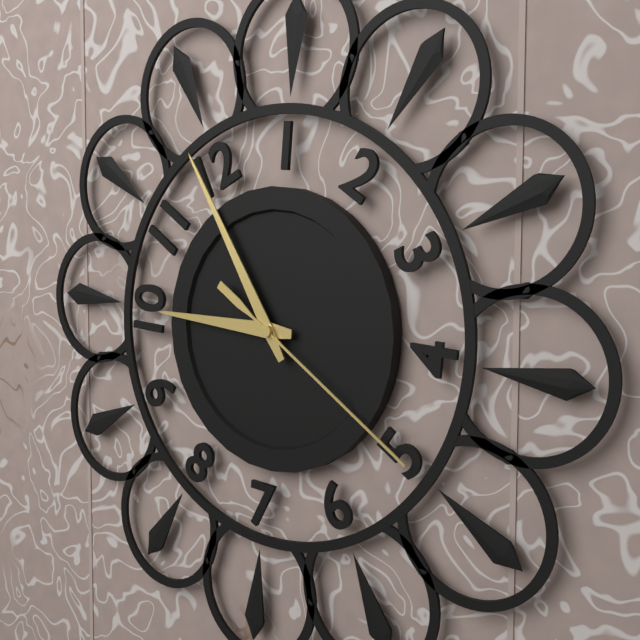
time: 9:59:25
